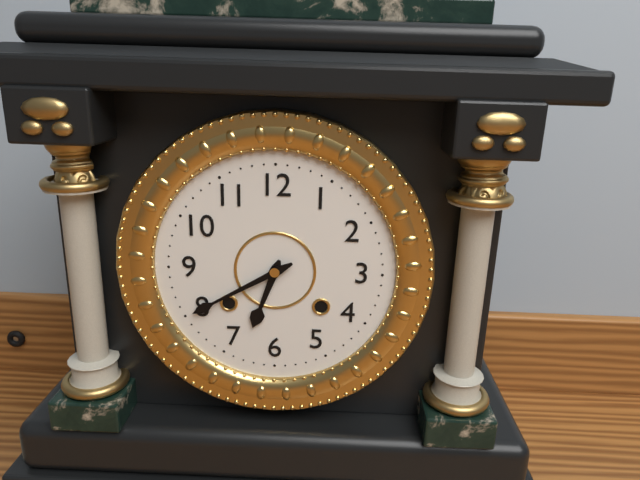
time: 6:40
